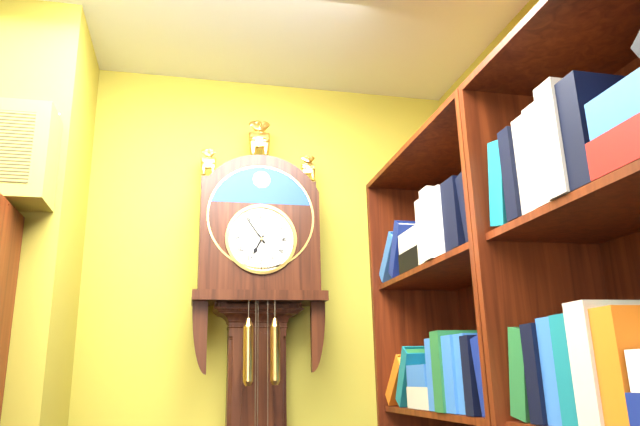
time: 6:54
